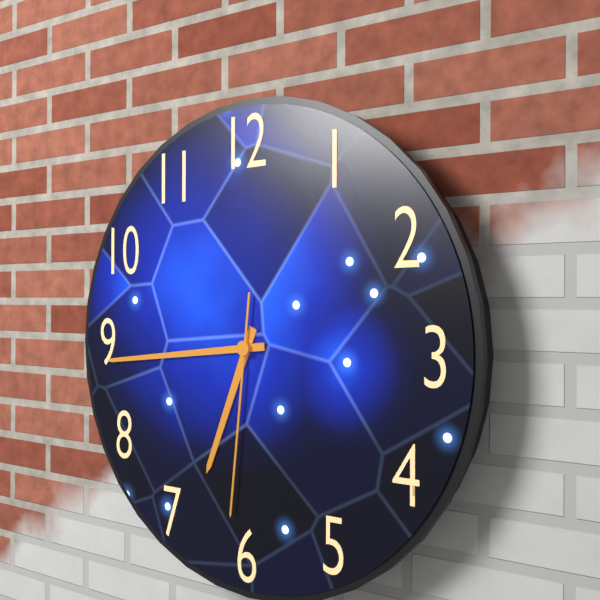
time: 6:44:31
